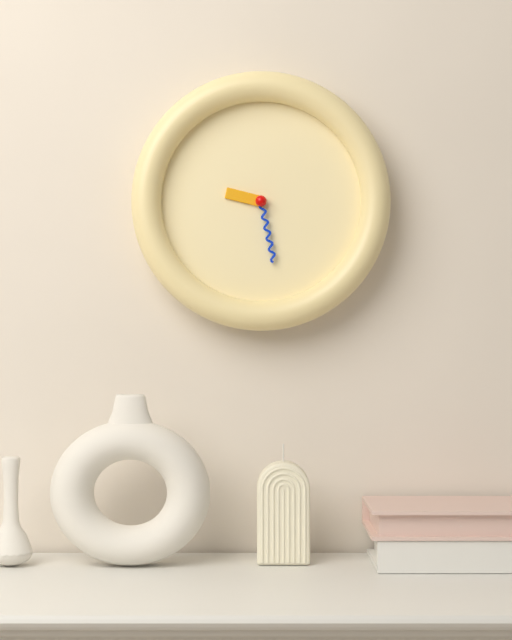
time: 9:28
